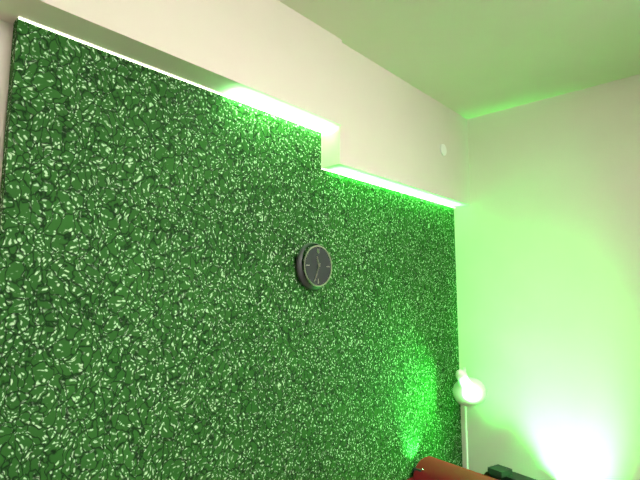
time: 11:34
